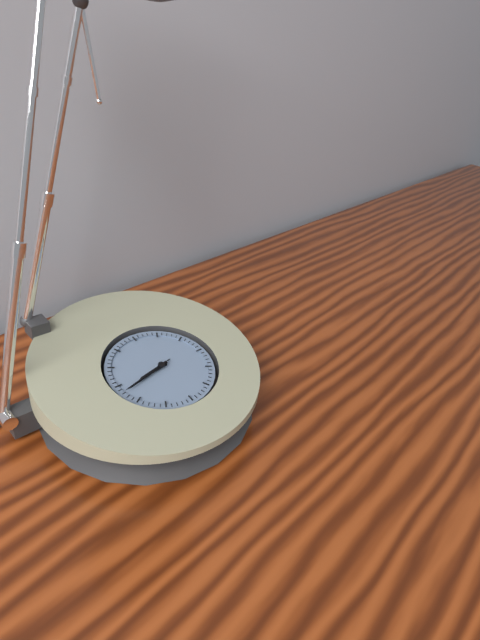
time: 8:43:43
